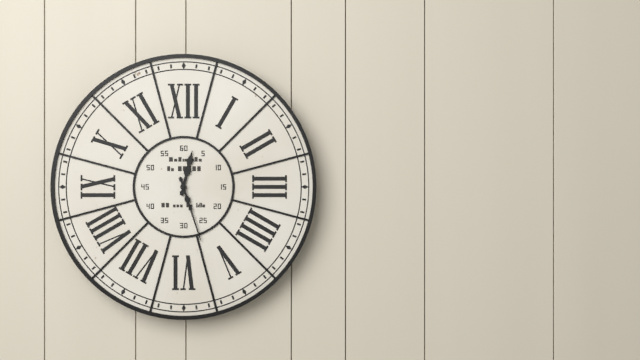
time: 12:27
